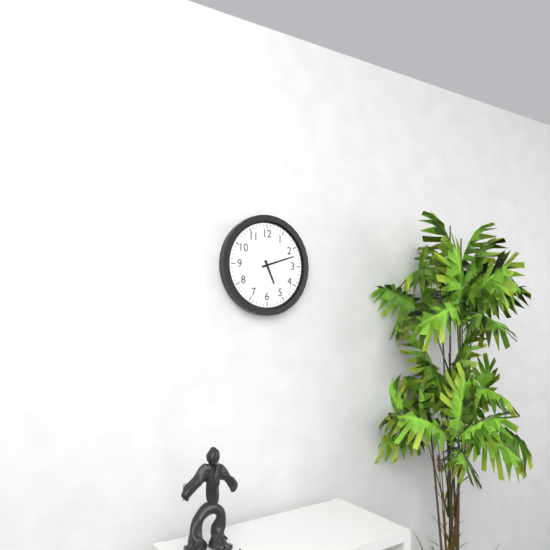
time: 5:12
